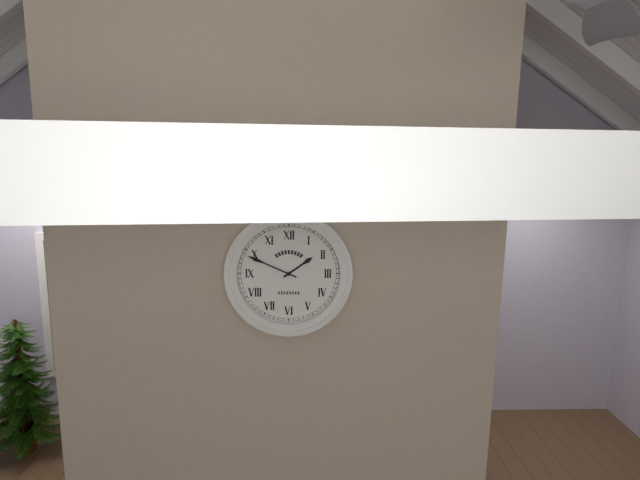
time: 1:49
